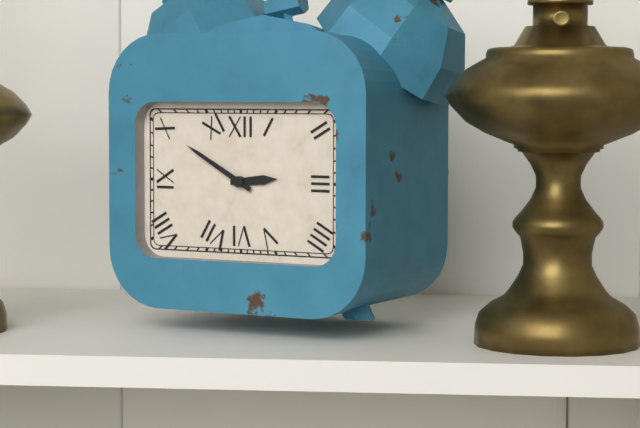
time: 2:50
